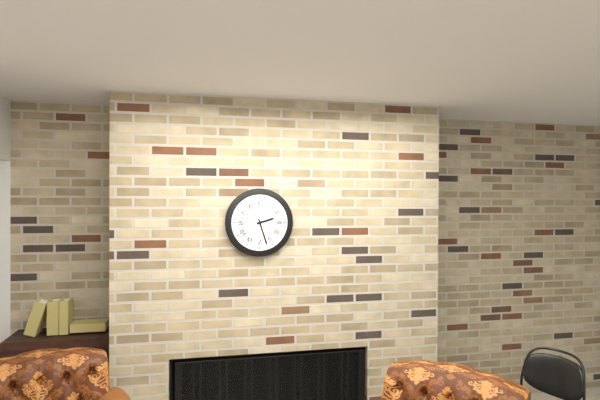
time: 2:27
